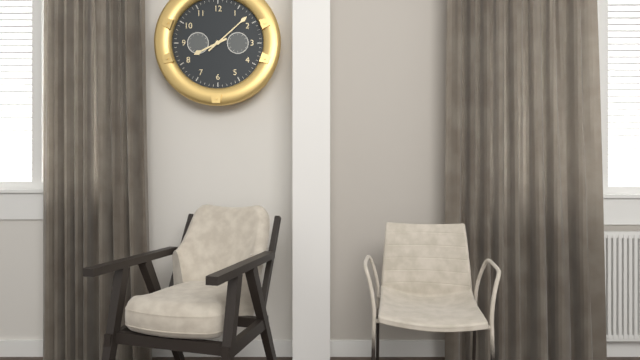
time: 8:08
